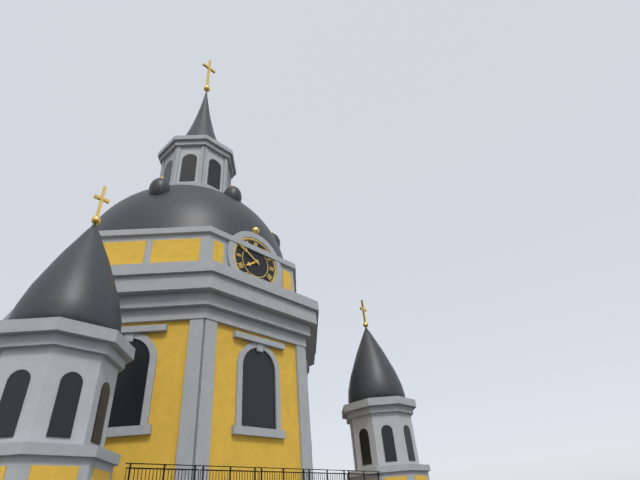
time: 7:50
